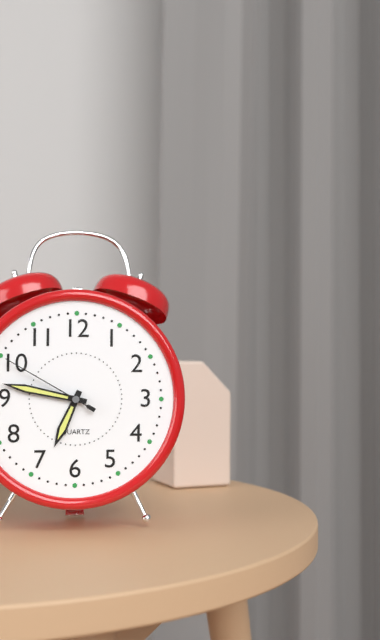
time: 6:47:50
